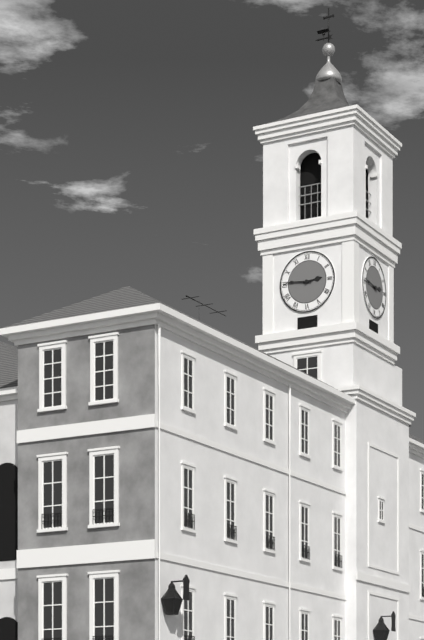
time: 2:46
